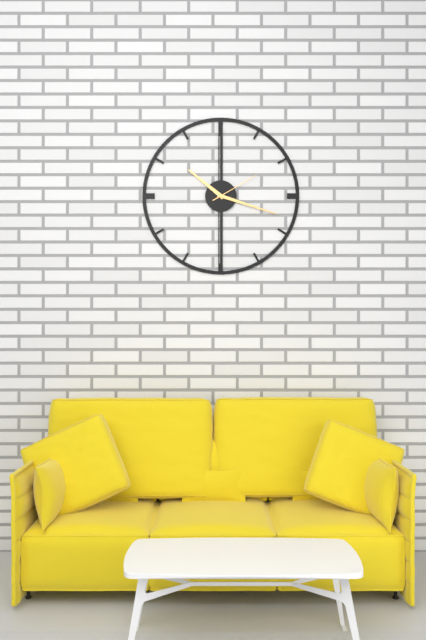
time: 10:18:10
